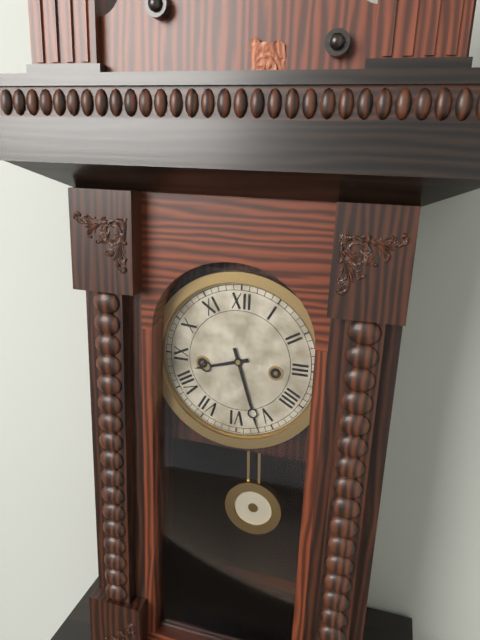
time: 8:27
